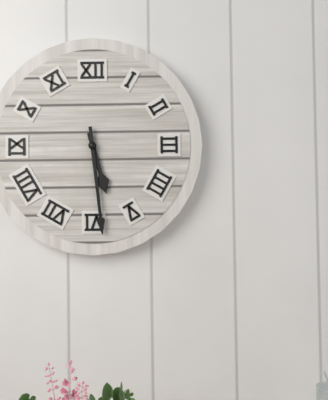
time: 5:29
